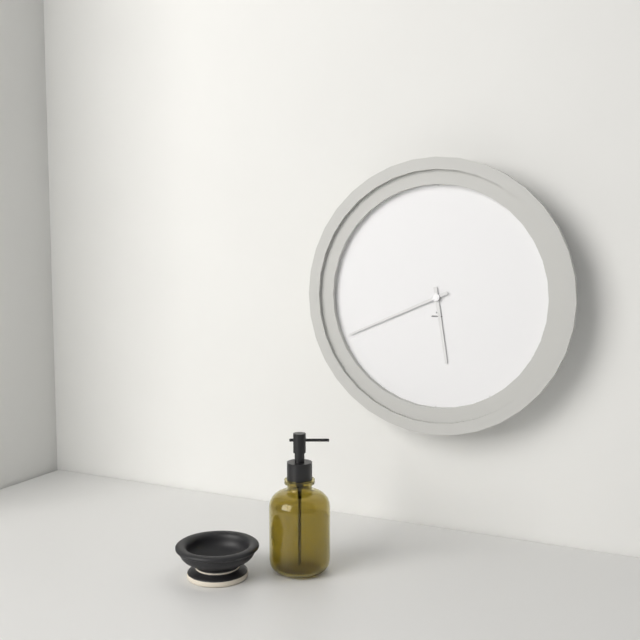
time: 5:41
